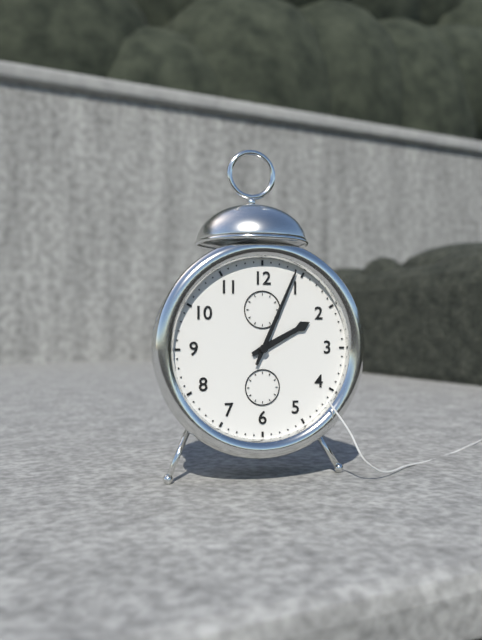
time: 2:04
